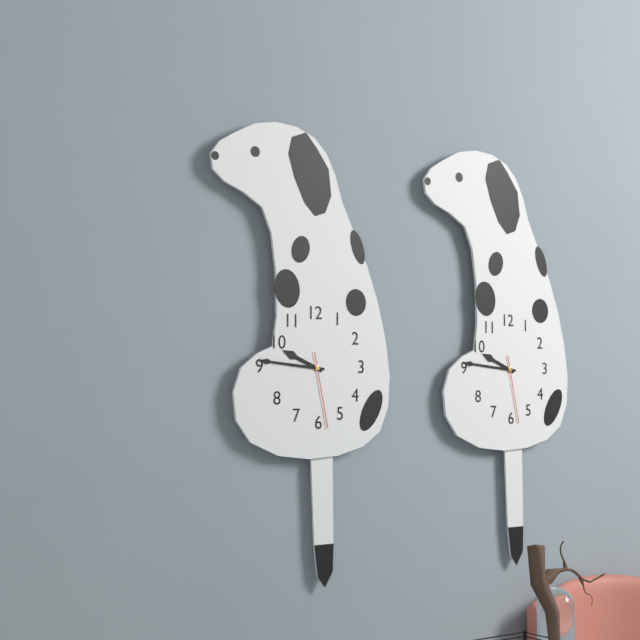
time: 9:46:28
